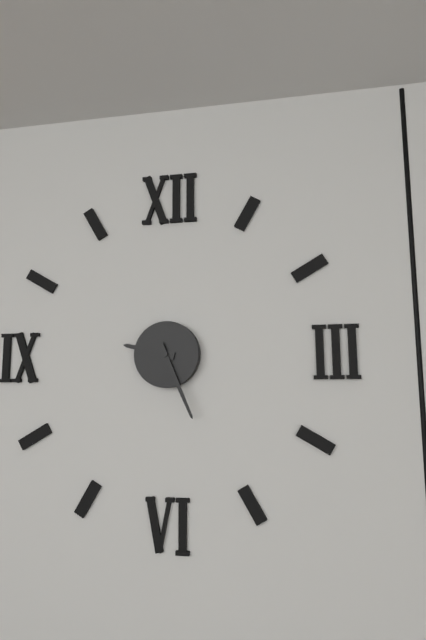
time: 9:26
